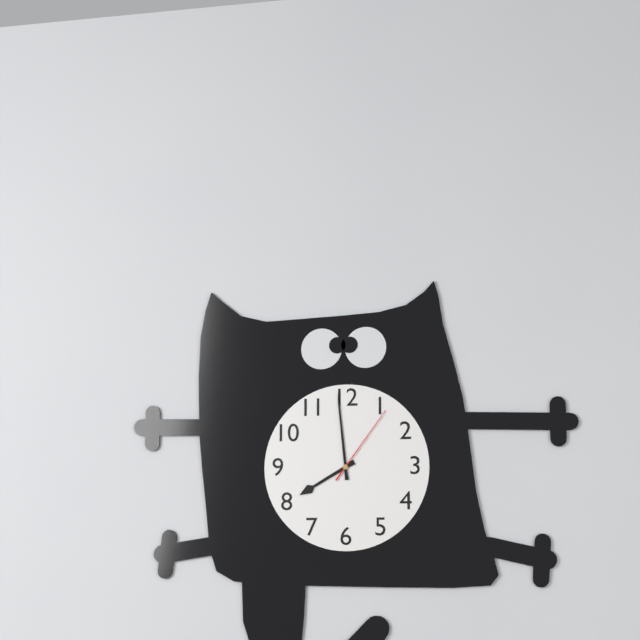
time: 7:59:06
